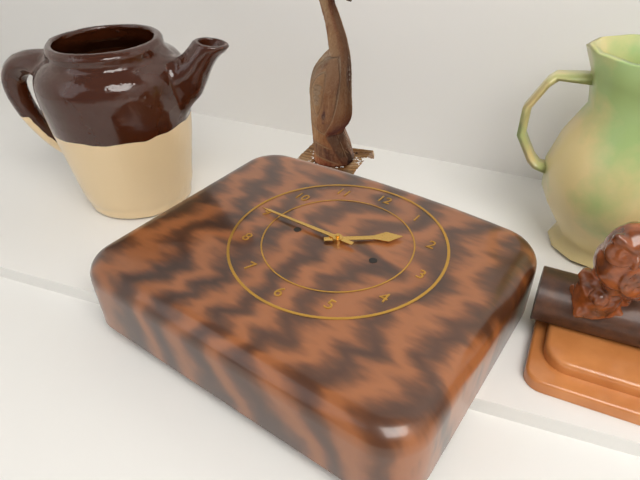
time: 1:45
